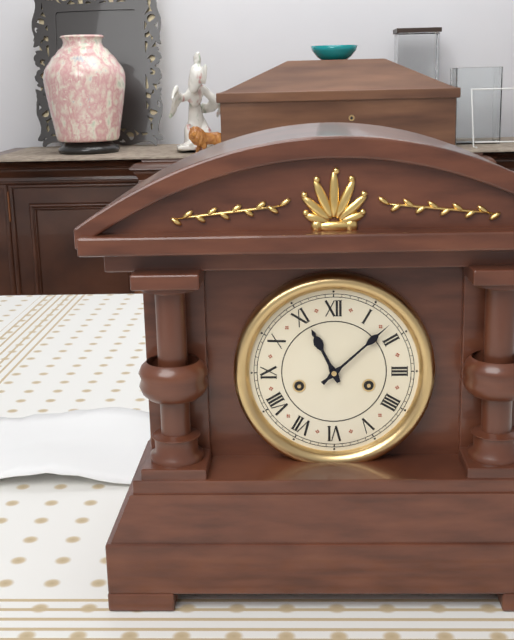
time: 11:08
